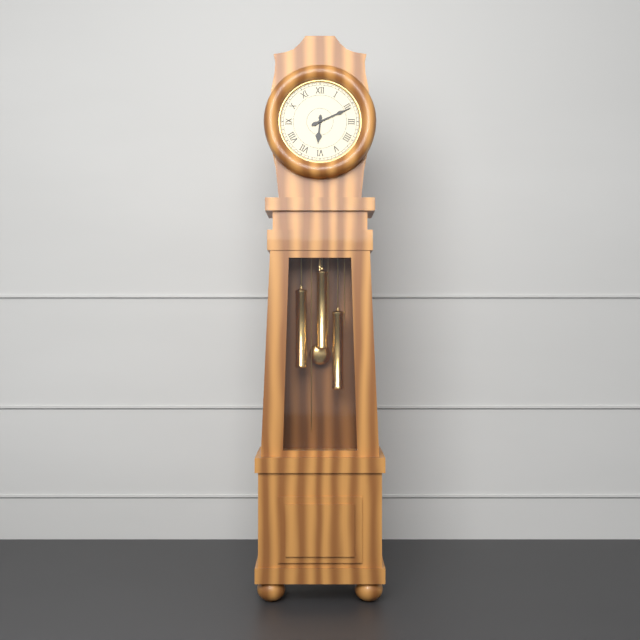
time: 6:11
